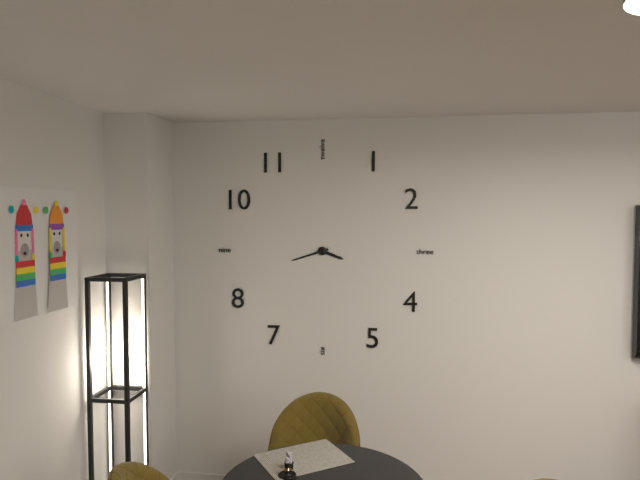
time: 3:42
